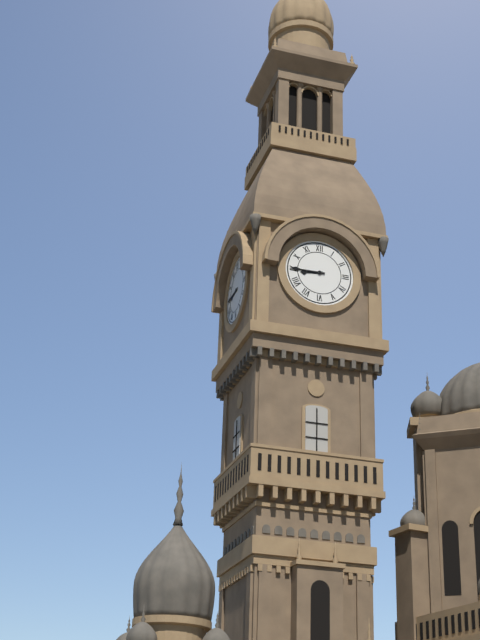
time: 8:45
